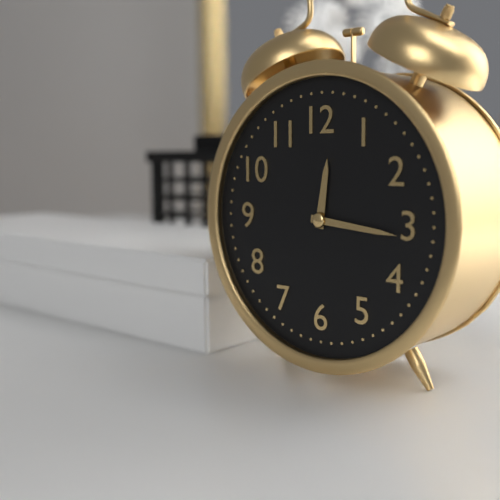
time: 12:16
